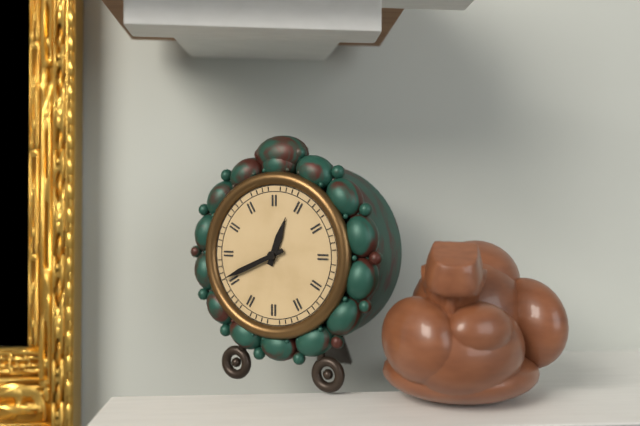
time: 12:41
